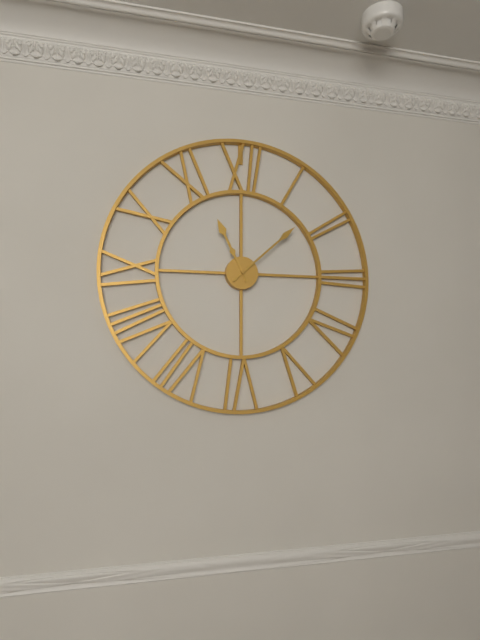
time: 11:08
